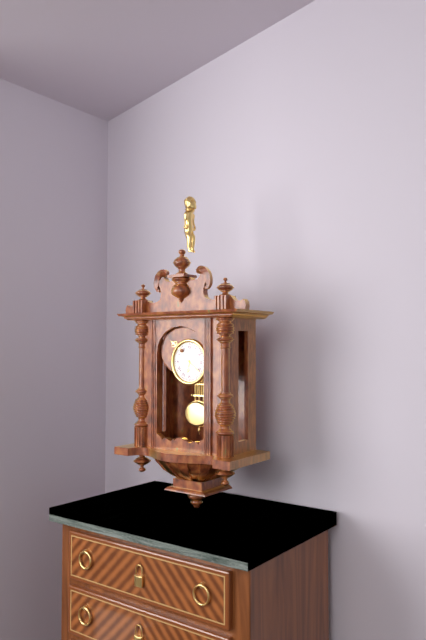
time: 6:21
